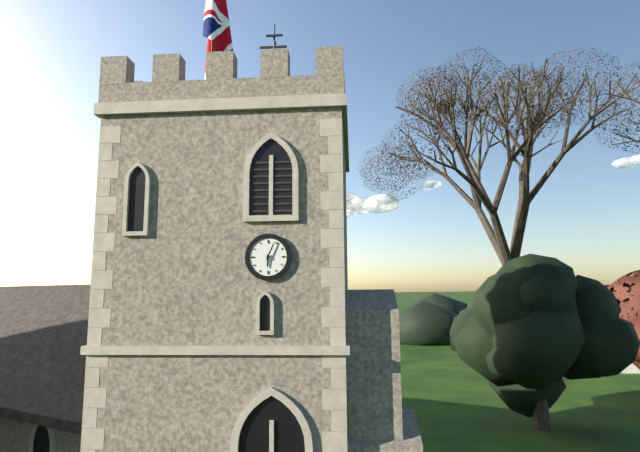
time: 6:04
